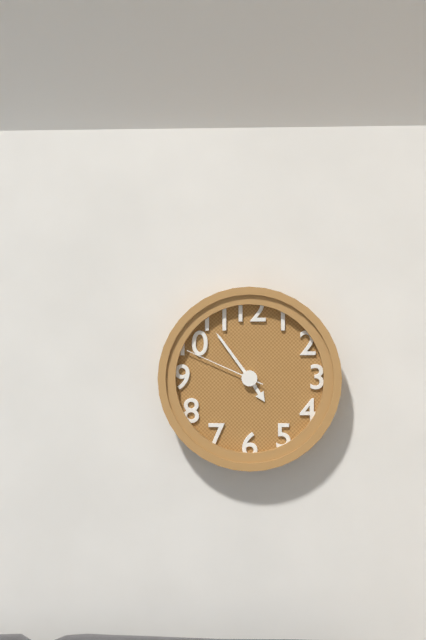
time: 4:54:49
